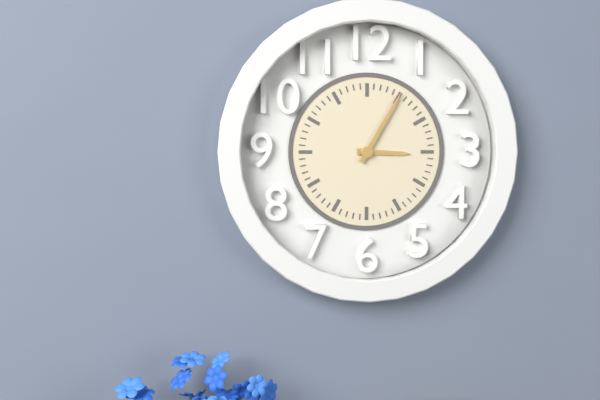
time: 3:05
